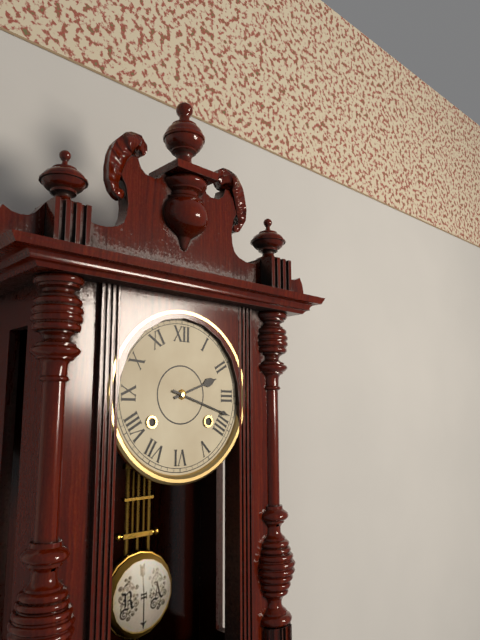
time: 2:18
